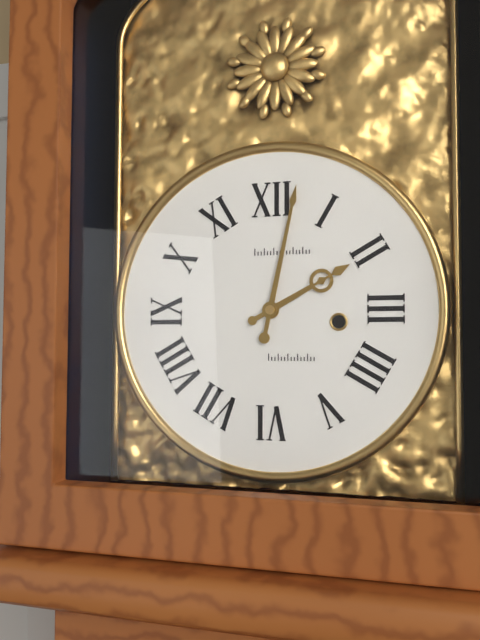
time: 2:02
